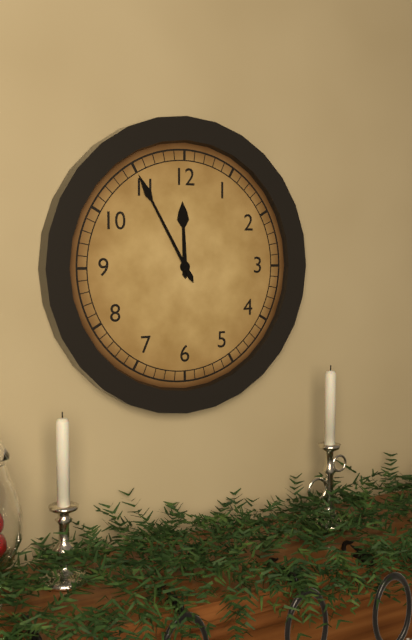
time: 11:55
